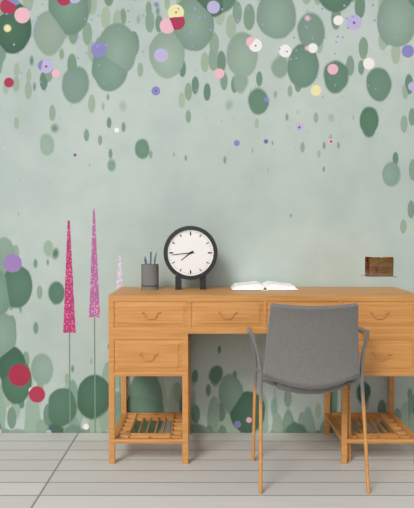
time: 7:44
